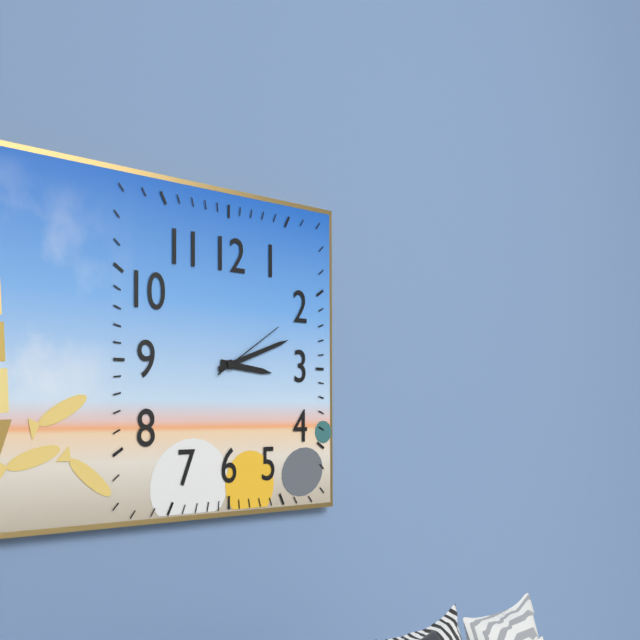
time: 3:12:10
